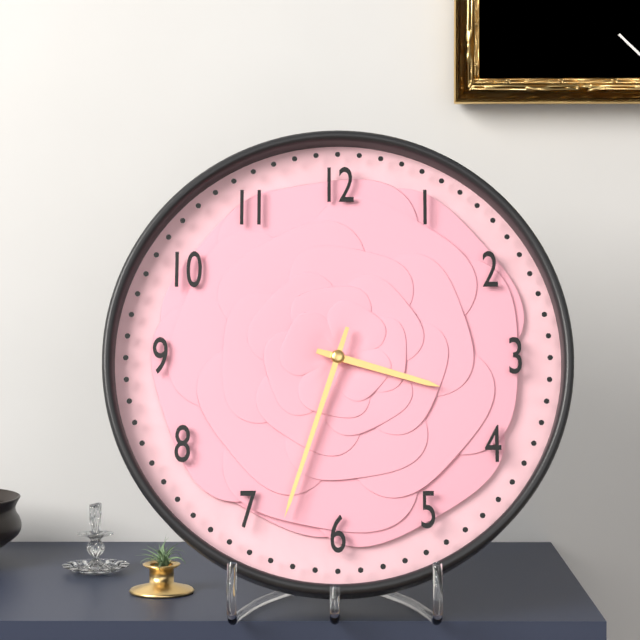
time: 3:33
